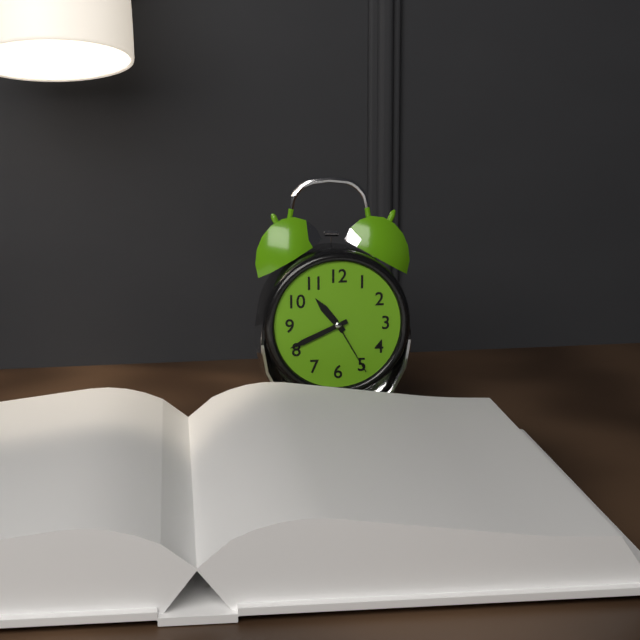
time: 10:41:25
